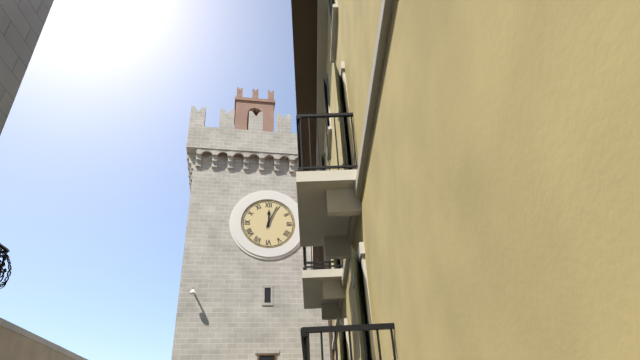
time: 12:04
